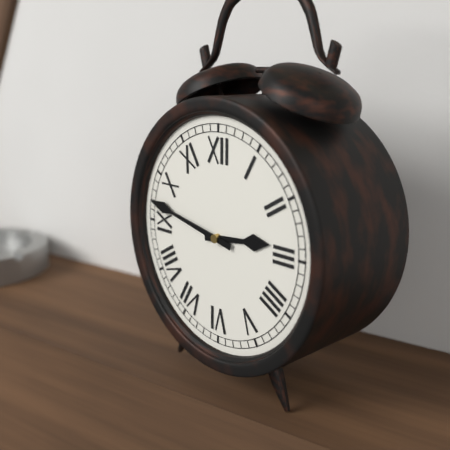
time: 2:47
